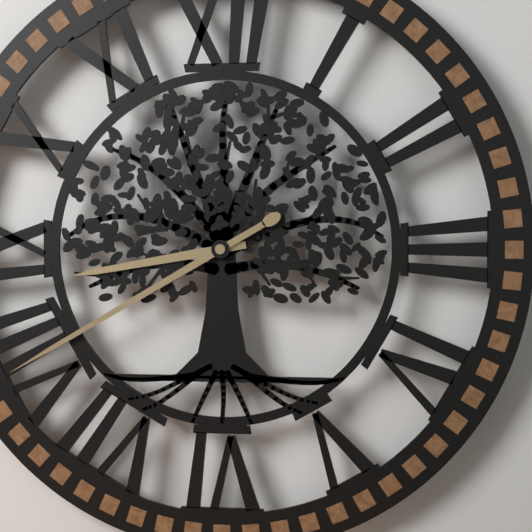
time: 8:40
